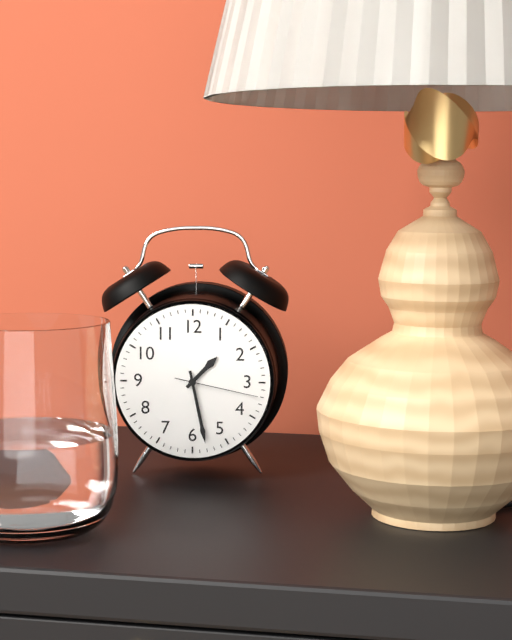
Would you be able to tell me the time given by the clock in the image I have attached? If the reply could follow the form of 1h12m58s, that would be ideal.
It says 1h28m17s
